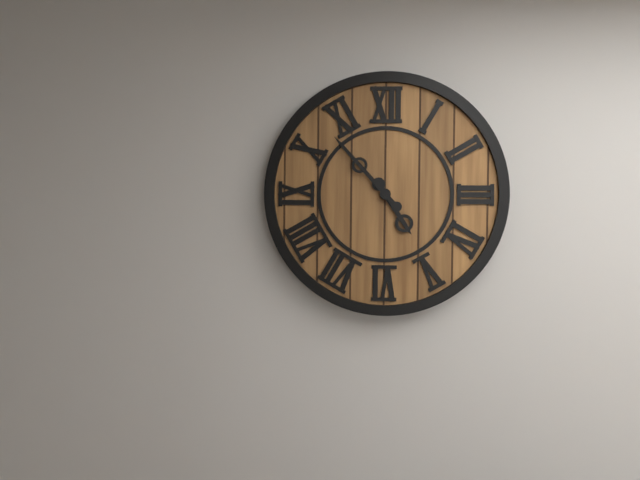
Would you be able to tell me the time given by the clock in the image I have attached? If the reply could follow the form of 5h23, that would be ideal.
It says 4h53
